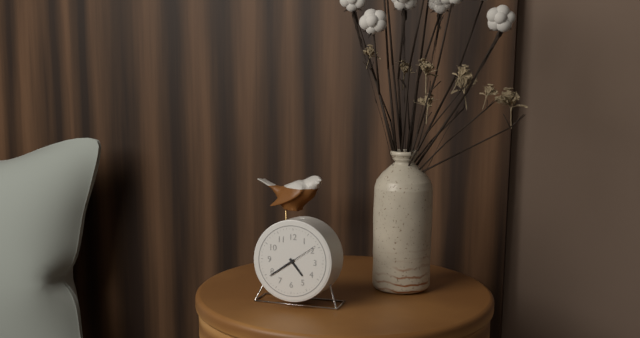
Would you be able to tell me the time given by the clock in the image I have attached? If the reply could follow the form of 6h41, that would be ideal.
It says 4h39
